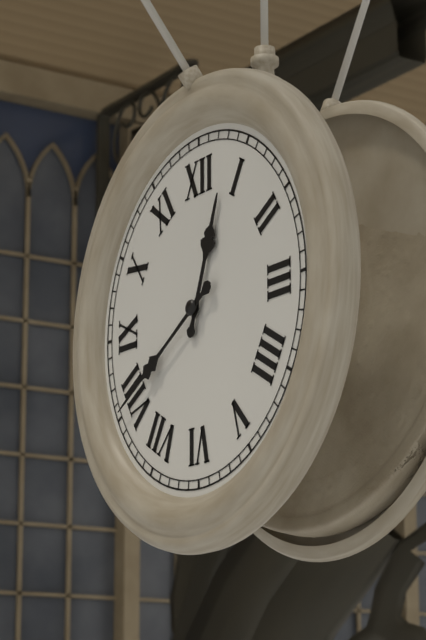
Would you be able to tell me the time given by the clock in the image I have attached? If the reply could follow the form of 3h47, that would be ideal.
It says 12h40
